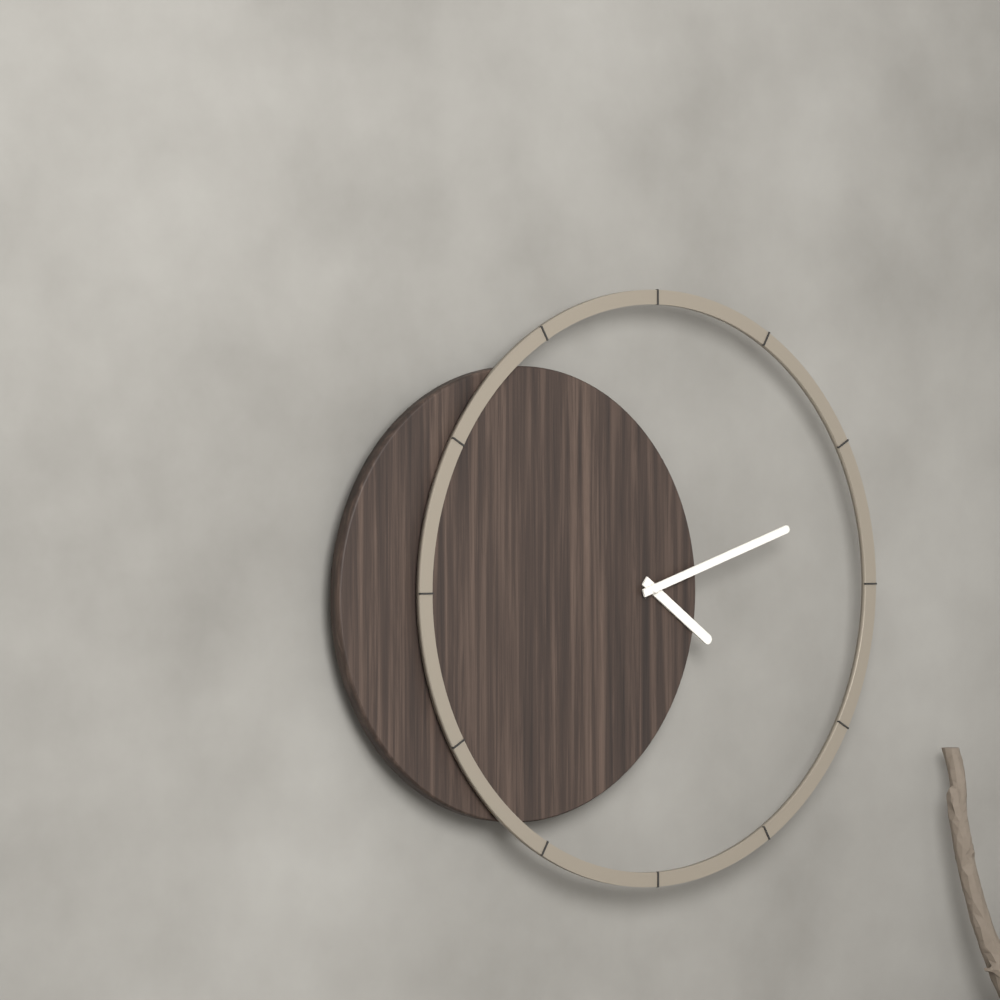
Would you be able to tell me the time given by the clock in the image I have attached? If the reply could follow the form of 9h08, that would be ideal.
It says 4h12
